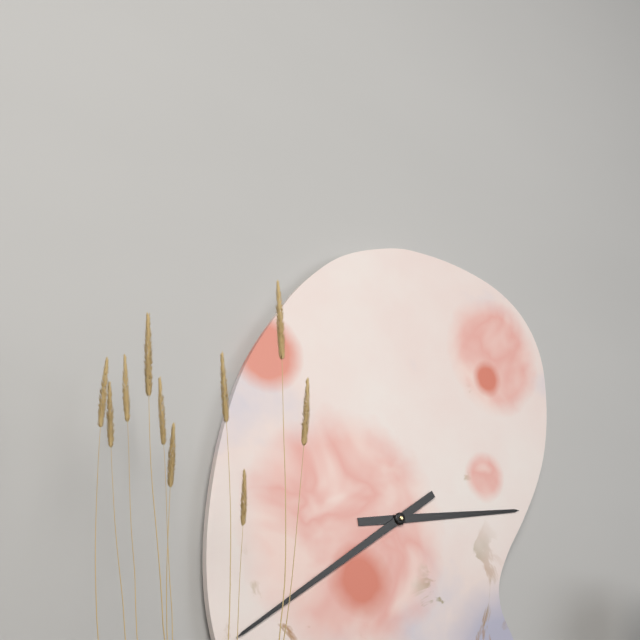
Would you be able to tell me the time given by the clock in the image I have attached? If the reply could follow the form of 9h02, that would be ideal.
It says 2h39
